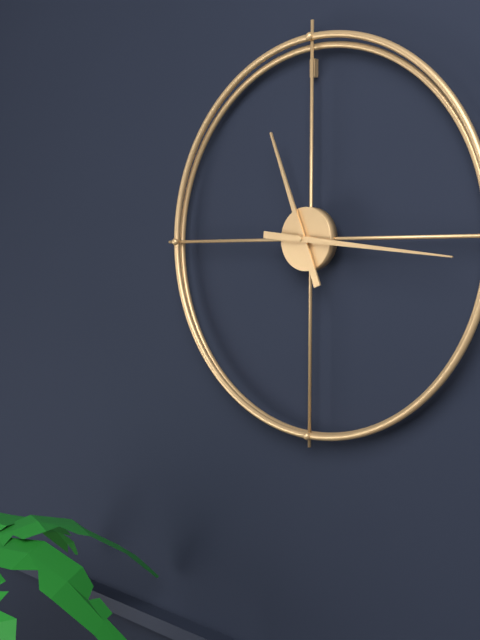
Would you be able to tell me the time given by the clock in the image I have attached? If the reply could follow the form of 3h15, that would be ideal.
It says 11h16
